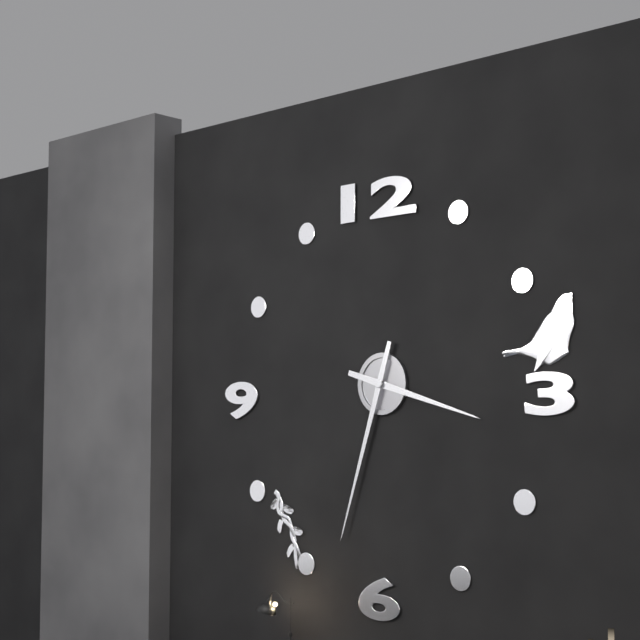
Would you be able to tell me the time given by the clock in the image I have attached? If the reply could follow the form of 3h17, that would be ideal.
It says 3h33
